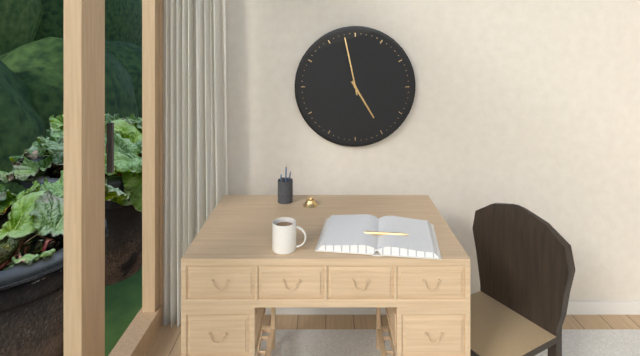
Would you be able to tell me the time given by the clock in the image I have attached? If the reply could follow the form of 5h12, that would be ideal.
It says 4h58
